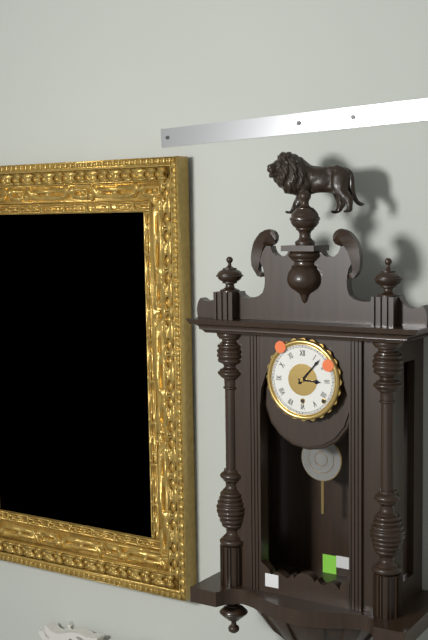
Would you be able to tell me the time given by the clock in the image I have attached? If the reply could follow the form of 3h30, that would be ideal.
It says 3h07
